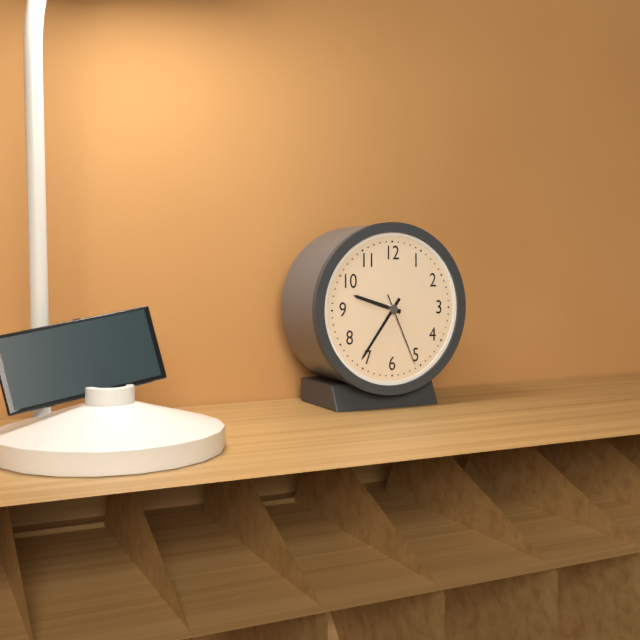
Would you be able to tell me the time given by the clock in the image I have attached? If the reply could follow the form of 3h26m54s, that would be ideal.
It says 9h36m26s
